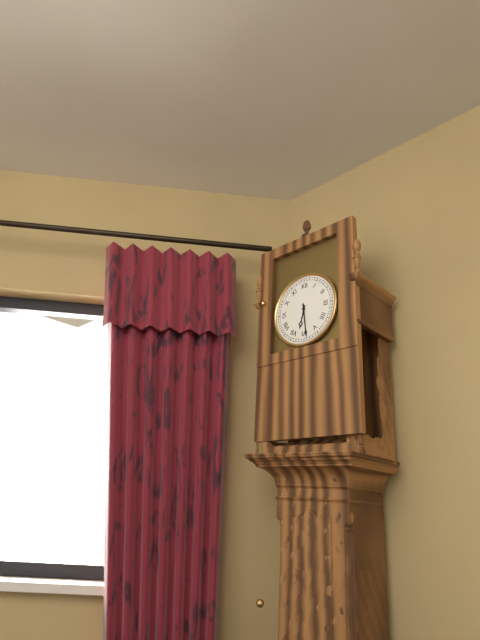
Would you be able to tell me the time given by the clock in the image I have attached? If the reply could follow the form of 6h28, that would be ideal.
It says 6h29
